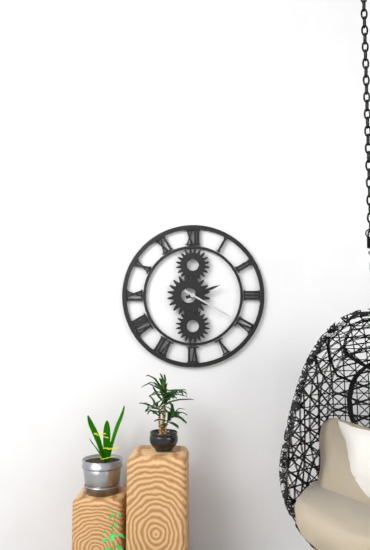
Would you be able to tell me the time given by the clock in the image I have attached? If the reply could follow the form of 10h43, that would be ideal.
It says 2h20
